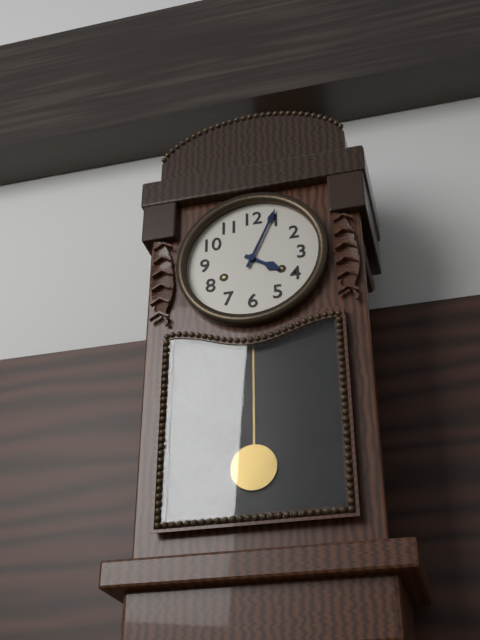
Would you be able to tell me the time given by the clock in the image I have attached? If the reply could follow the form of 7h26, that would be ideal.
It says 4h04
